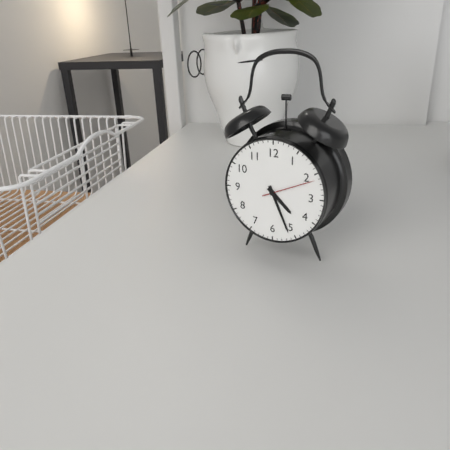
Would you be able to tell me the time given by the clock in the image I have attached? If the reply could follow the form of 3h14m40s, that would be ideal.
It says 4h26m11s
